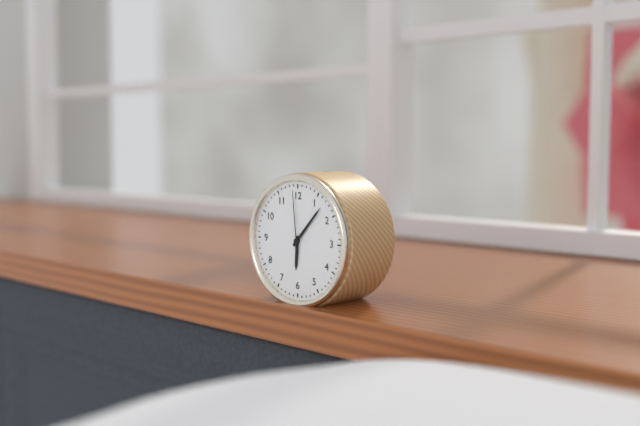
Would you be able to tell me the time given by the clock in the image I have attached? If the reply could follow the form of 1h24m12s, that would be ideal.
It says 6h07m59s
